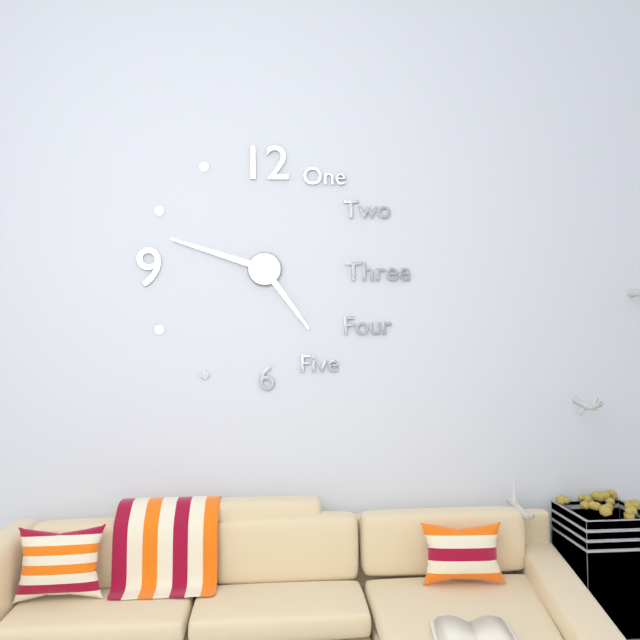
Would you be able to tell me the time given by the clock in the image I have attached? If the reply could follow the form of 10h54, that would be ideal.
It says 4h48
